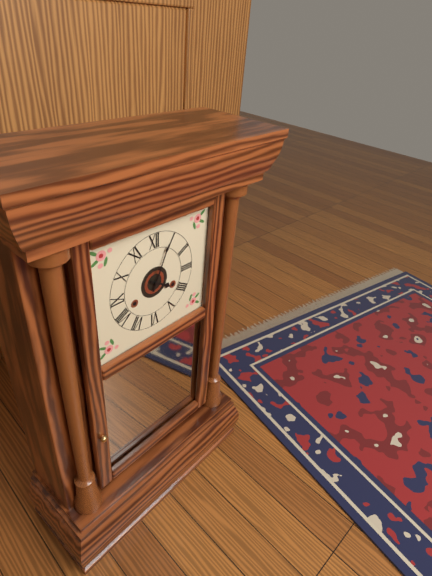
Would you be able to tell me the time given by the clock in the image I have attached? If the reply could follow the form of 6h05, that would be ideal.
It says 4h04
